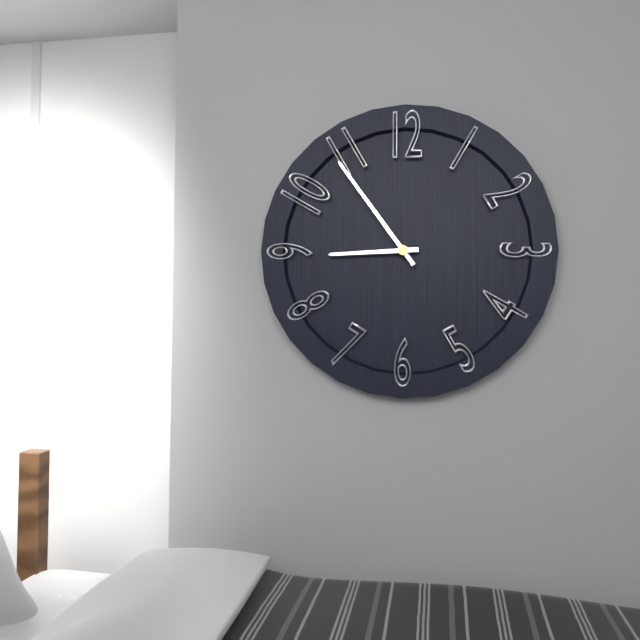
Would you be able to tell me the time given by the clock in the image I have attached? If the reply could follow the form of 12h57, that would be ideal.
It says 8h54
